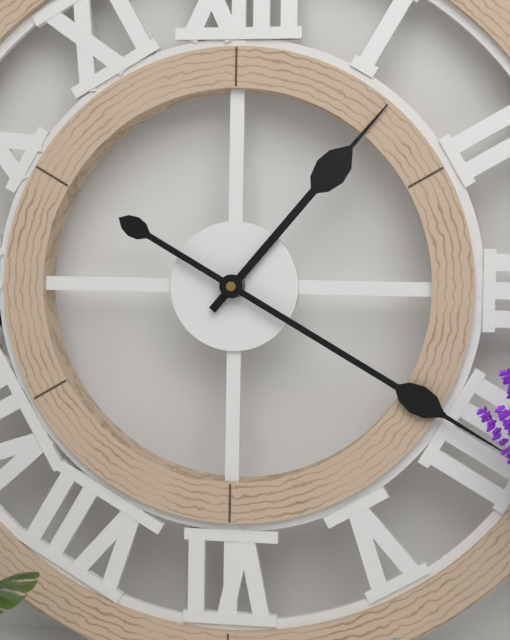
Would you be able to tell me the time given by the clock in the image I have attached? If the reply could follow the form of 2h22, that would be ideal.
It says 1h20
